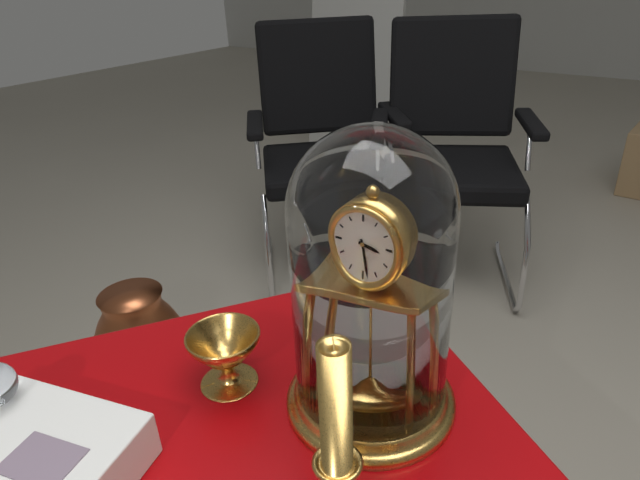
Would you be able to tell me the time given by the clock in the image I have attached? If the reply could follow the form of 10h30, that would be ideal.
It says 3h28
